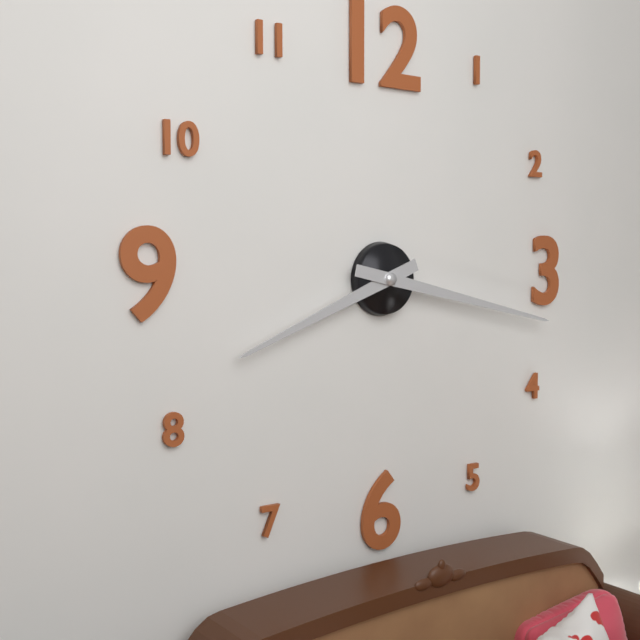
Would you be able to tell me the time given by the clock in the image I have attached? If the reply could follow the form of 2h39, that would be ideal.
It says 8h17
